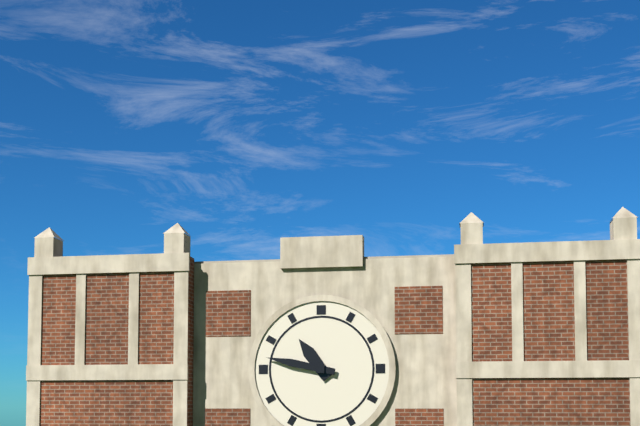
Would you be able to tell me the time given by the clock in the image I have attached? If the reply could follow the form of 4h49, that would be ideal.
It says 10h47
